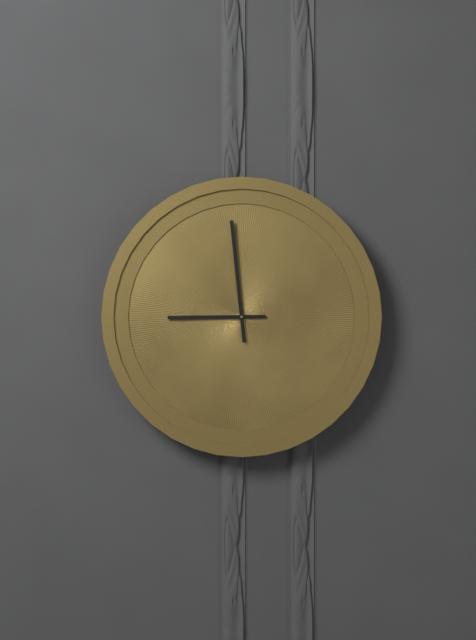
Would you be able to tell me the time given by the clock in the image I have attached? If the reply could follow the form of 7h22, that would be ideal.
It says 8h59
